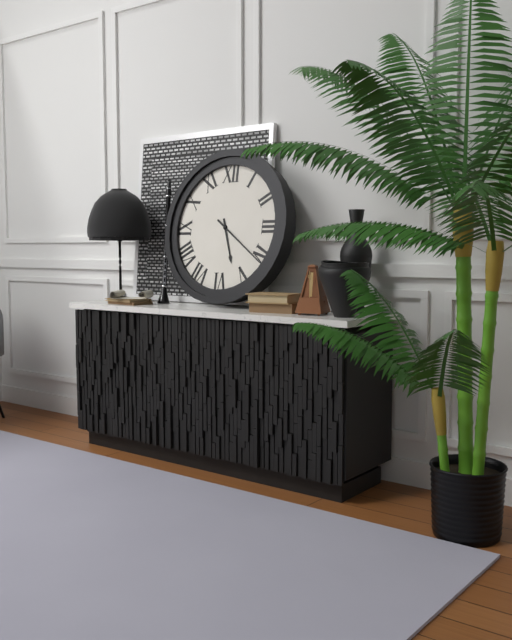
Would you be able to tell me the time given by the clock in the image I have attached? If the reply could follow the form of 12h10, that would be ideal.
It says 5h21
